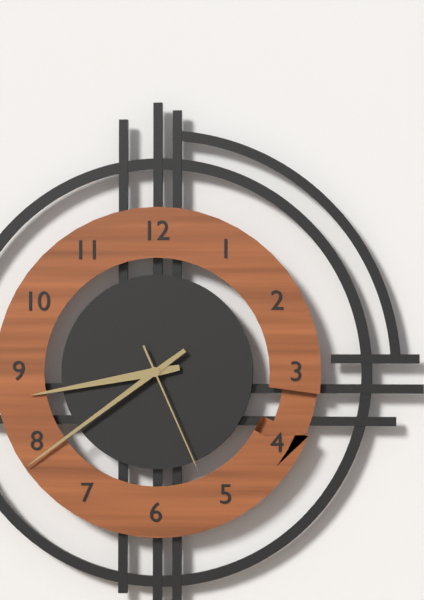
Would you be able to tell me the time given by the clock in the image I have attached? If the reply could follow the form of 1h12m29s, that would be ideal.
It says 8h39m26s
